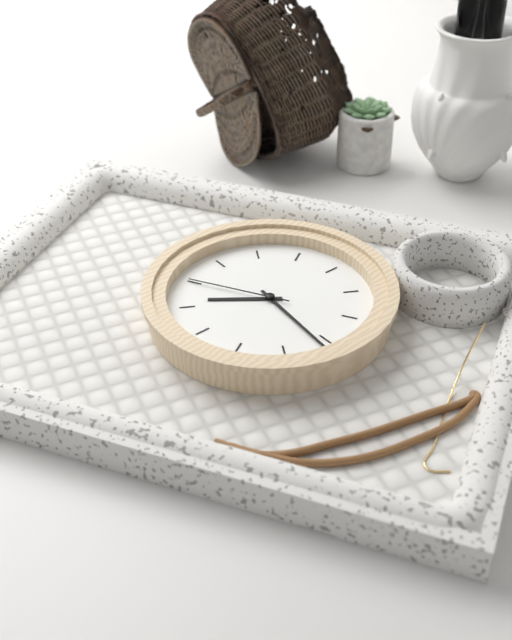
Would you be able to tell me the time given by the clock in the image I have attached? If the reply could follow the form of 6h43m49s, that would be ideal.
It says 7h16m40s
